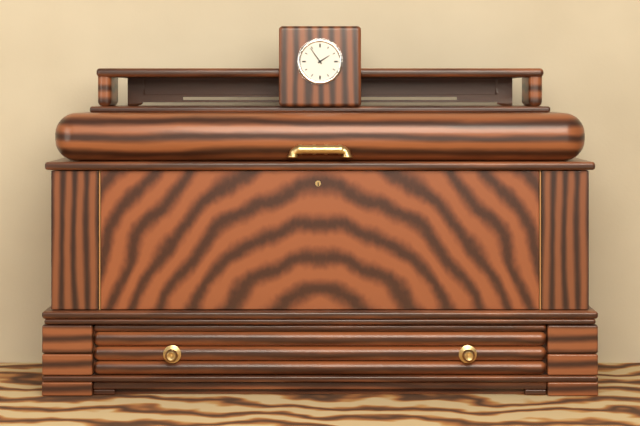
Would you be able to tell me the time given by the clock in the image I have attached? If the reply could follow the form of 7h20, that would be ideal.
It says 1h54
